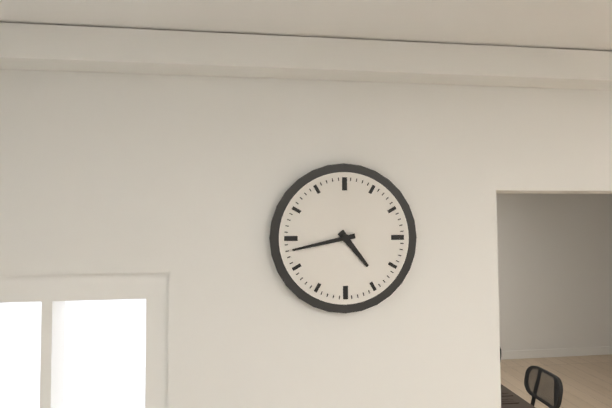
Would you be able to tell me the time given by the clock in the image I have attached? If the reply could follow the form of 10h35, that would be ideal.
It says 4h43
